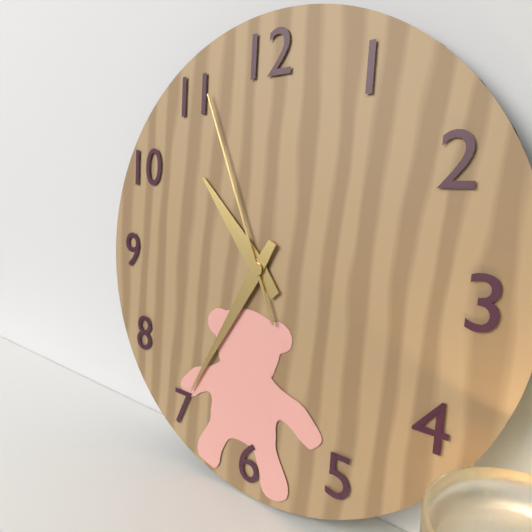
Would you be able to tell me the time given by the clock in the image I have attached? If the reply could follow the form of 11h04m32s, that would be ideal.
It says 10h35m56s
